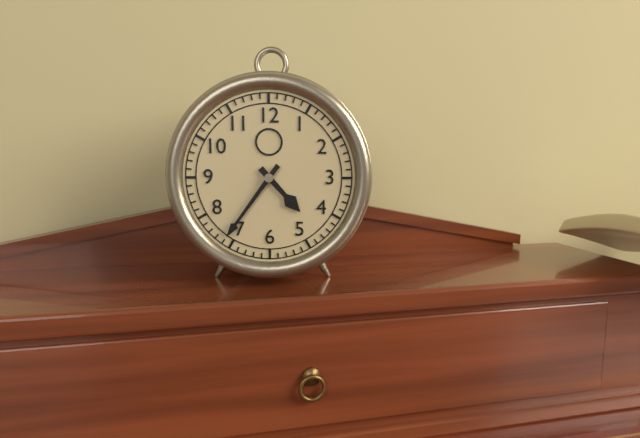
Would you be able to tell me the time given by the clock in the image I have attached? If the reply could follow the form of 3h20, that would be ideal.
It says 4h36
